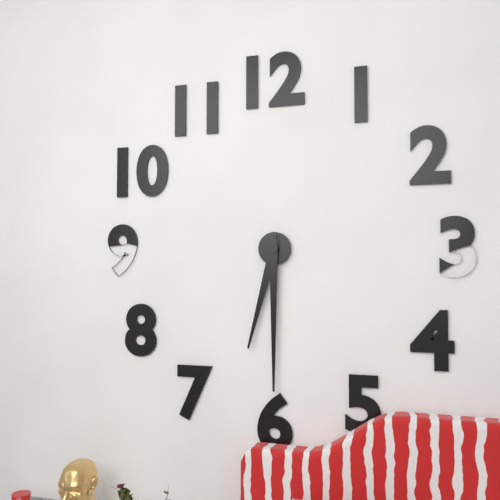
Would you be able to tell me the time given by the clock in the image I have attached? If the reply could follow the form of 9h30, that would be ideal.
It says 6h30
